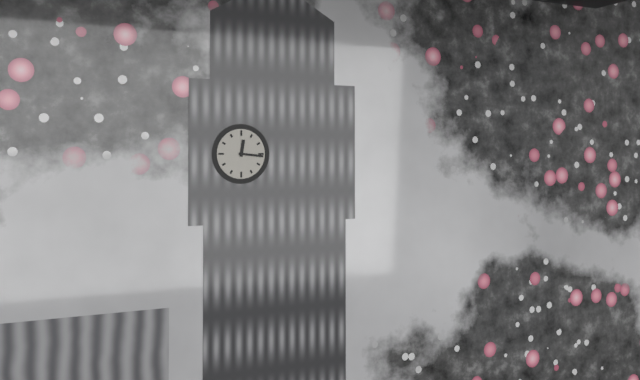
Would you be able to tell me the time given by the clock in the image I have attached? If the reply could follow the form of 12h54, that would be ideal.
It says 12h16
